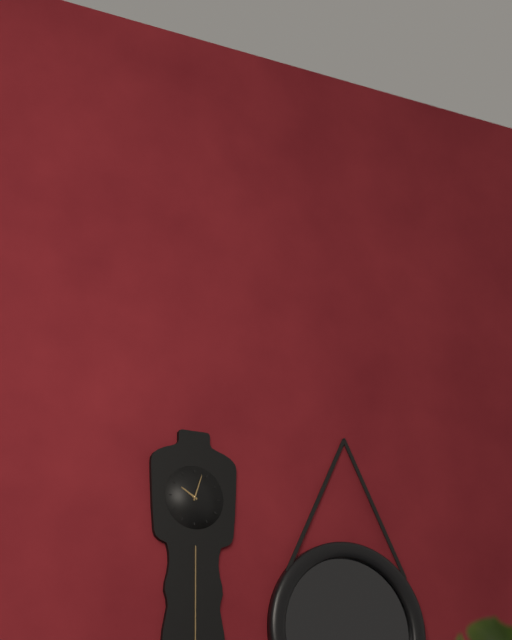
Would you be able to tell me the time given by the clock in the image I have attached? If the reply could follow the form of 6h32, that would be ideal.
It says 10h03
